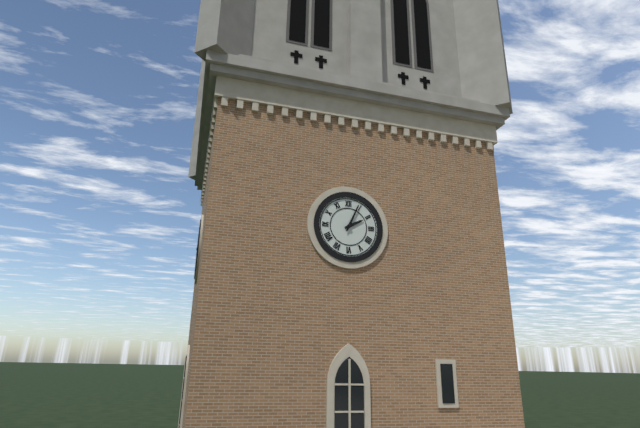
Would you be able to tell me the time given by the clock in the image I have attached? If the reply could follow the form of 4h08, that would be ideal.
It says 2h04
